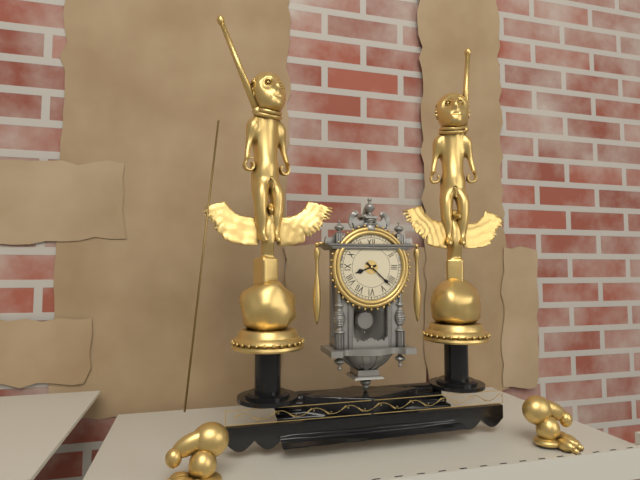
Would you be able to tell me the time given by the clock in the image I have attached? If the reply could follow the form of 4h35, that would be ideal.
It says 8h22
